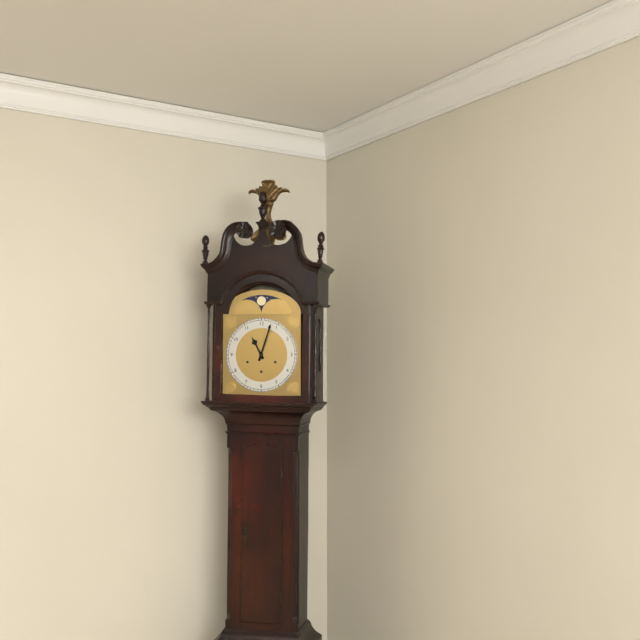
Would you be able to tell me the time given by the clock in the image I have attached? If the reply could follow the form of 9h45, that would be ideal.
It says 11h03
